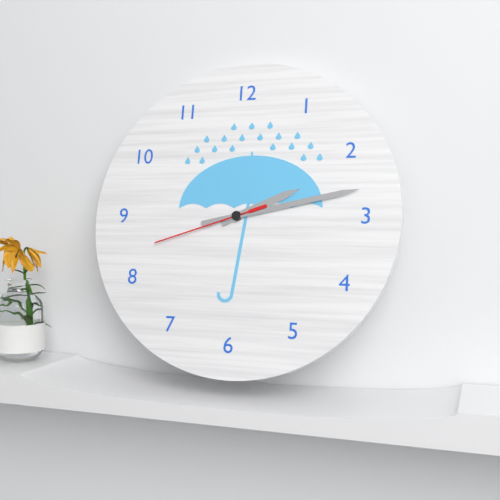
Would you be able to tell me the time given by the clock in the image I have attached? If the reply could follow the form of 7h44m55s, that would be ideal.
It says 2h13m42s
